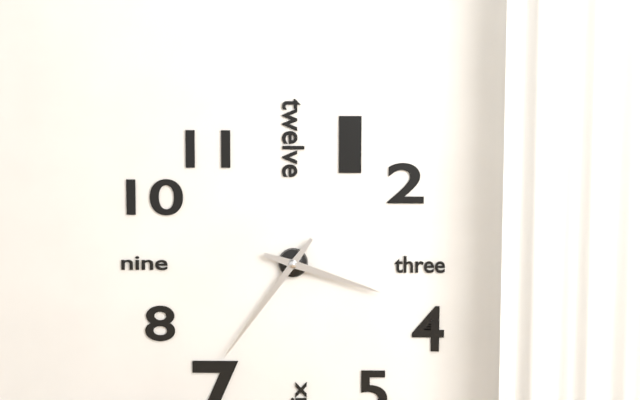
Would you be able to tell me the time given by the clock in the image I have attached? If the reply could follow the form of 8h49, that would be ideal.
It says 3h36
